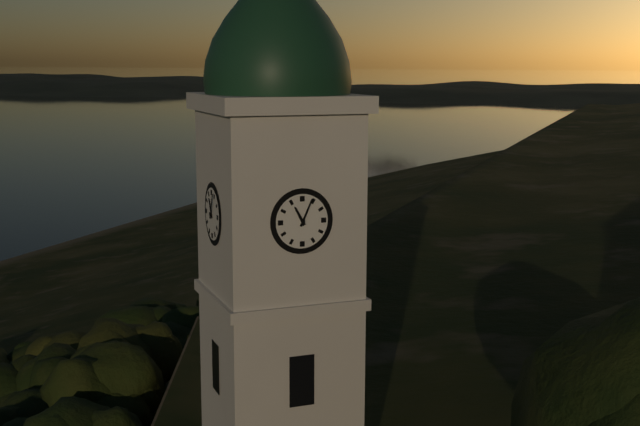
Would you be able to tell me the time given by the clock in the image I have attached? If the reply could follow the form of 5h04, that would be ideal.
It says 11h04
